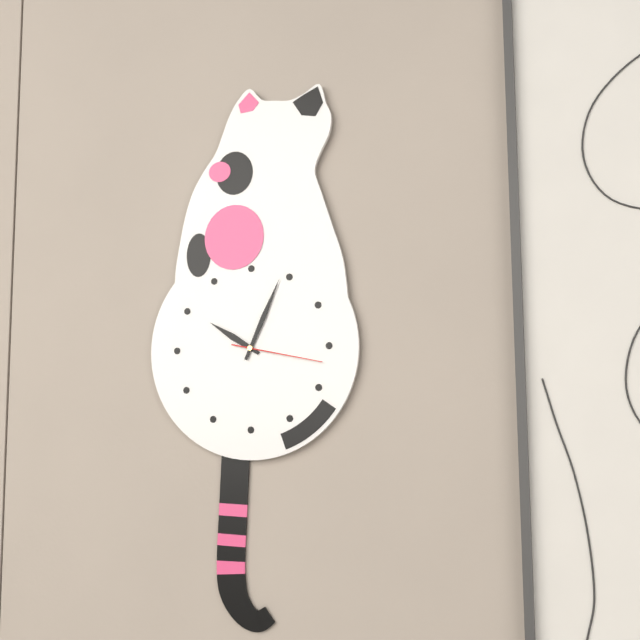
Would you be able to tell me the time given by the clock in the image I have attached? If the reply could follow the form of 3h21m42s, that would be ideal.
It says 10h04m17s
